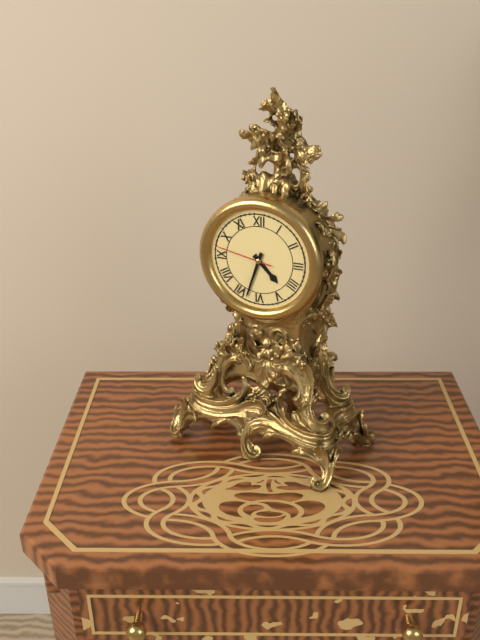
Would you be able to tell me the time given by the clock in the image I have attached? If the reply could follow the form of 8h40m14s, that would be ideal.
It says 4h33m47s
